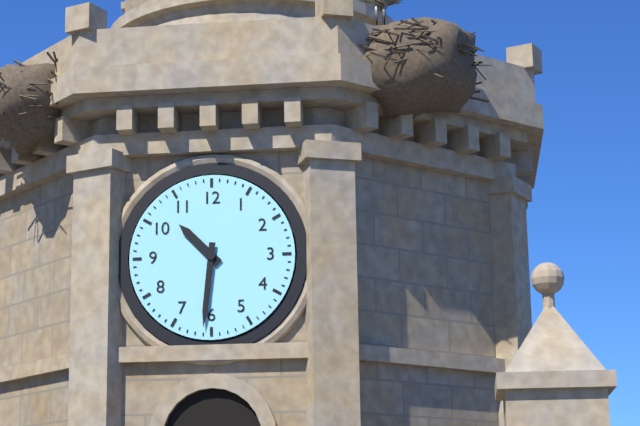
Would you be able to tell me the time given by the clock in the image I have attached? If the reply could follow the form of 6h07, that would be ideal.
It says 10h31
